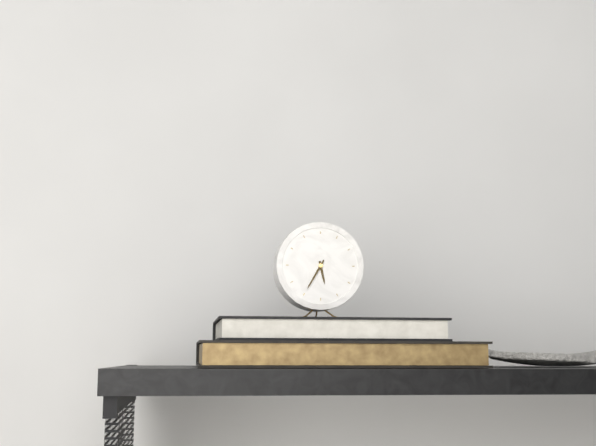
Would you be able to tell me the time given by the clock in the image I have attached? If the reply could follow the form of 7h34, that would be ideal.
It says 5h35
